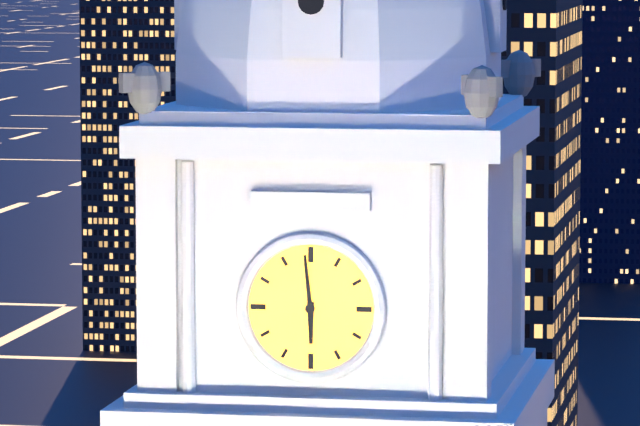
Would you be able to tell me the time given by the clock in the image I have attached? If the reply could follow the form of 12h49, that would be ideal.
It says 5h59
